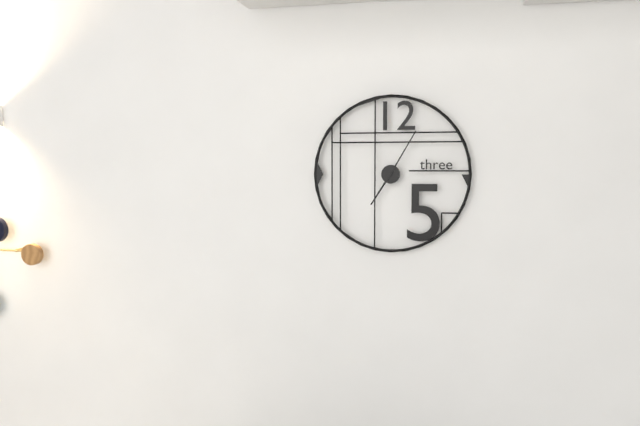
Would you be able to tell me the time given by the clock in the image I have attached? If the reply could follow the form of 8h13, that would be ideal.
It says 7h05
